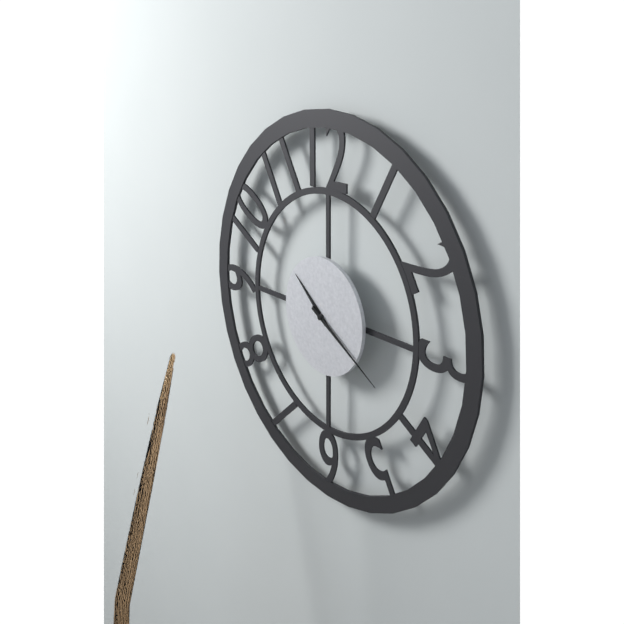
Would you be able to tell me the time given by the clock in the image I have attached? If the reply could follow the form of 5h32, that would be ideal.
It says 10h20
